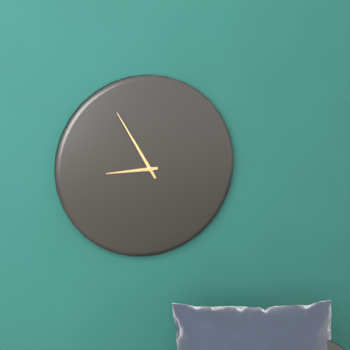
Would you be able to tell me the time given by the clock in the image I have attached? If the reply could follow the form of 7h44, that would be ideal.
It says 8h55
